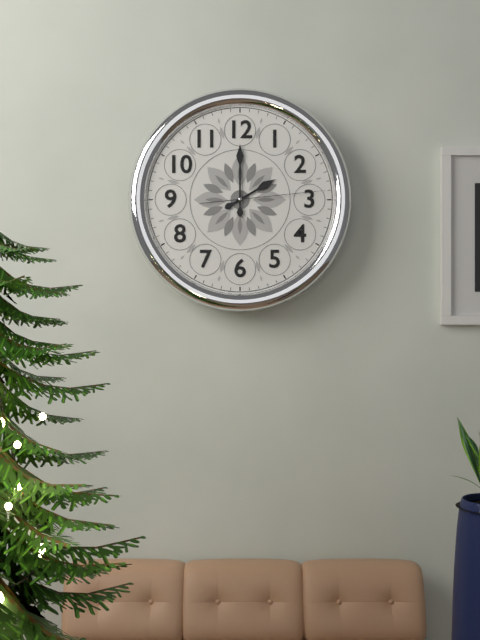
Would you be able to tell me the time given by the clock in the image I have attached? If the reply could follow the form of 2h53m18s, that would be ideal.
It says 2h00m14s
